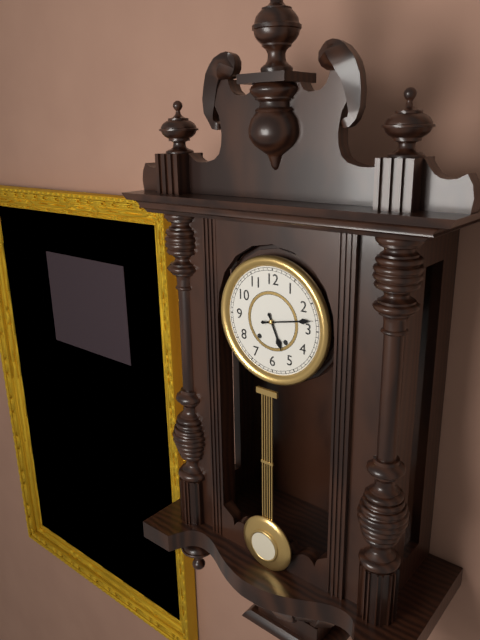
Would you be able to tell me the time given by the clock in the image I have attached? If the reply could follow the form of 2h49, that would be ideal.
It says 5h13
